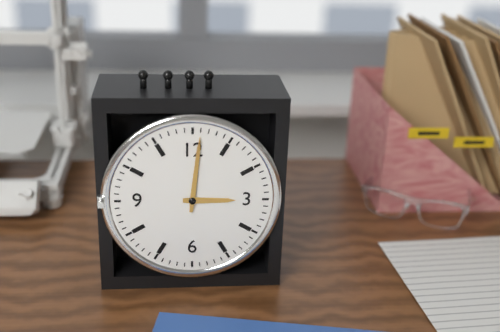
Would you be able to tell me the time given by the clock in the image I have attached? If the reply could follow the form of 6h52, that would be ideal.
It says 3h01
